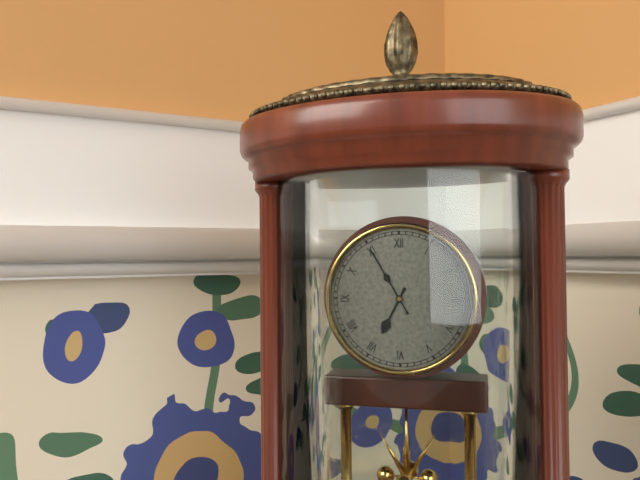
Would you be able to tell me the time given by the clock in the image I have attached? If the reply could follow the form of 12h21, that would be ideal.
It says 6h55
